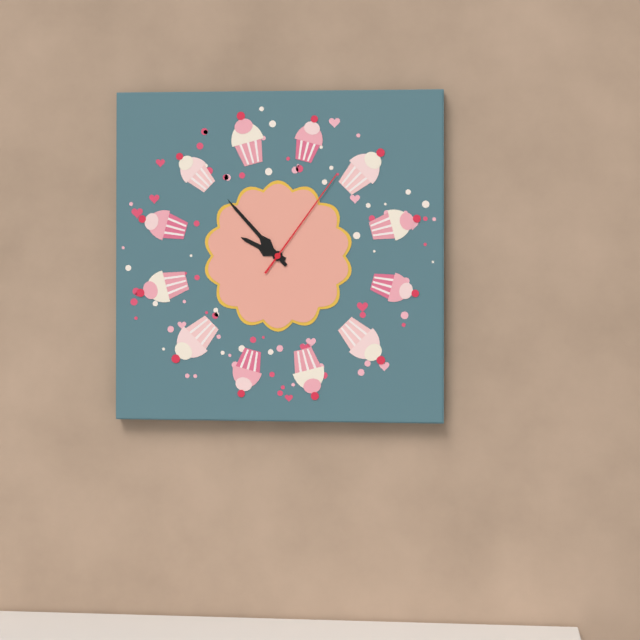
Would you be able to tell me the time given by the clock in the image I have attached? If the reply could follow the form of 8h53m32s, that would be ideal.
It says 9h53m06s
